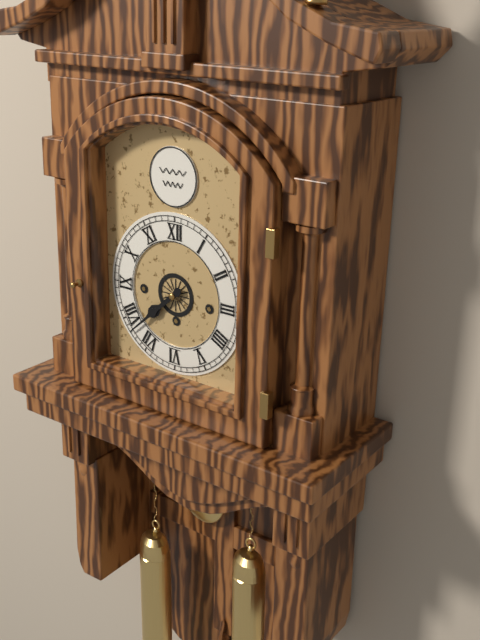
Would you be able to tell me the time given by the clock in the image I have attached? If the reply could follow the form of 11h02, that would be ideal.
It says 7h38
